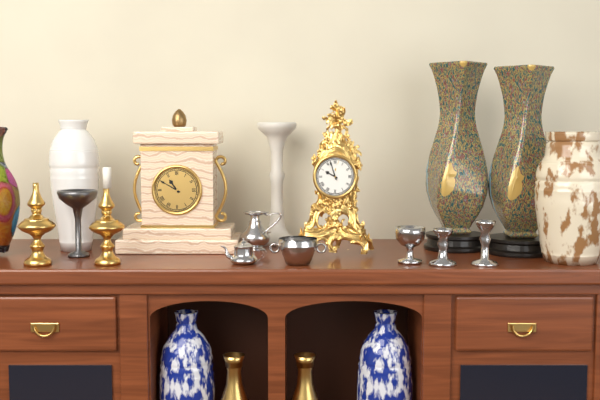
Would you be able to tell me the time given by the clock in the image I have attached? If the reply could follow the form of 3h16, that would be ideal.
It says 9h57
